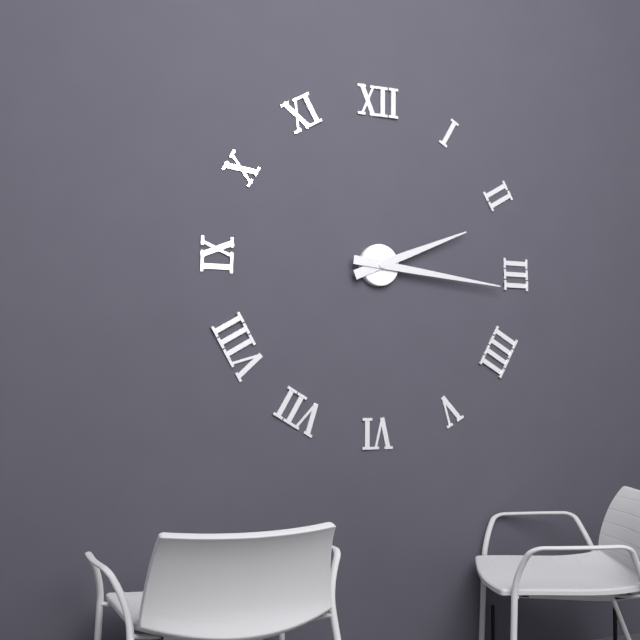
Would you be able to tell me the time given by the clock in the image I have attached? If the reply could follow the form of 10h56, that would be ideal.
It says 2h16
